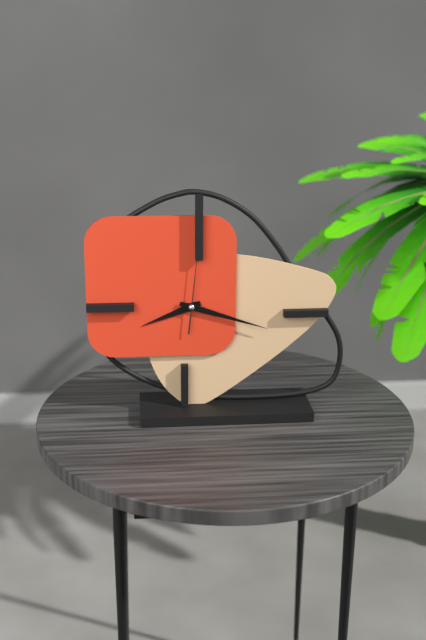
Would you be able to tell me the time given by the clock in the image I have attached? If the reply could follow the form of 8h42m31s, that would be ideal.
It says 8h18m01s
